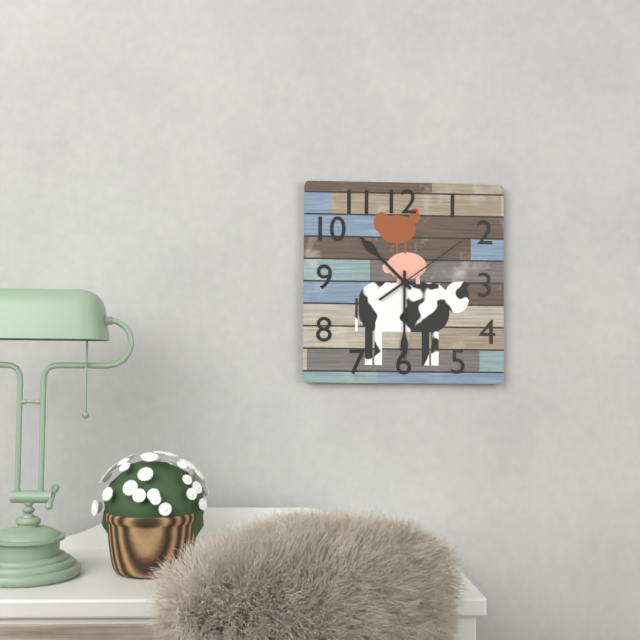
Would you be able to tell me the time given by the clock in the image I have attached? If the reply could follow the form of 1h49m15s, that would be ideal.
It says 10h30m09s
